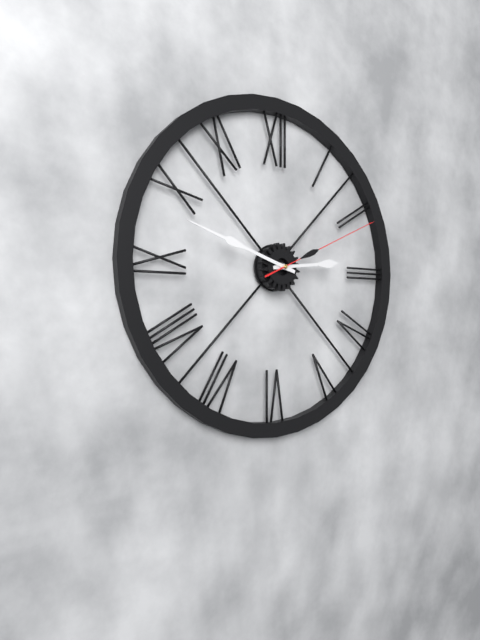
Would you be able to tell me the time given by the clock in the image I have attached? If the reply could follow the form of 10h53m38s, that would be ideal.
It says 2h48m11s
